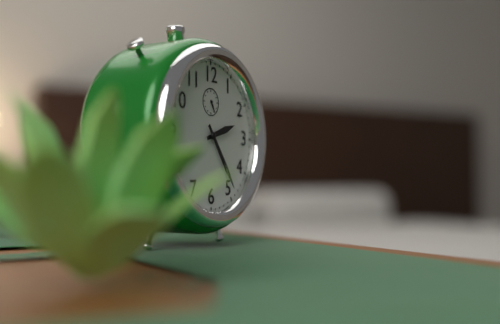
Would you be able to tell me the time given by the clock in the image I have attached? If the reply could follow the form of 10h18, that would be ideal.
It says 2h24
